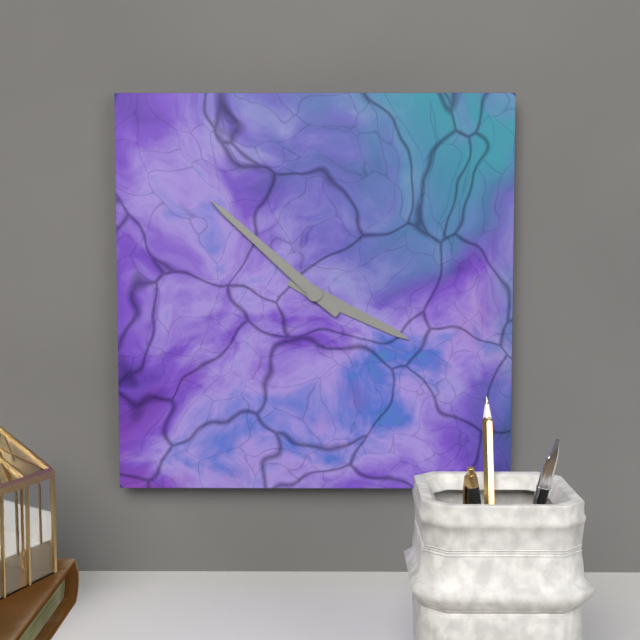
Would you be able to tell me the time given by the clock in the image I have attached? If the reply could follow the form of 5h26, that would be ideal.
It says 3h52
